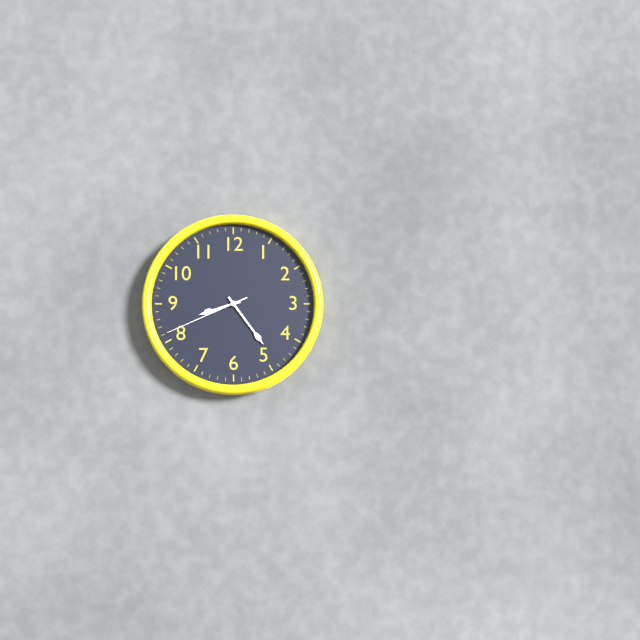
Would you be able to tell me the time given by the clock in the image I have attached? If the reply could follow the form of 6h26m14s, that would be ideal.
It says 8h24m41s
